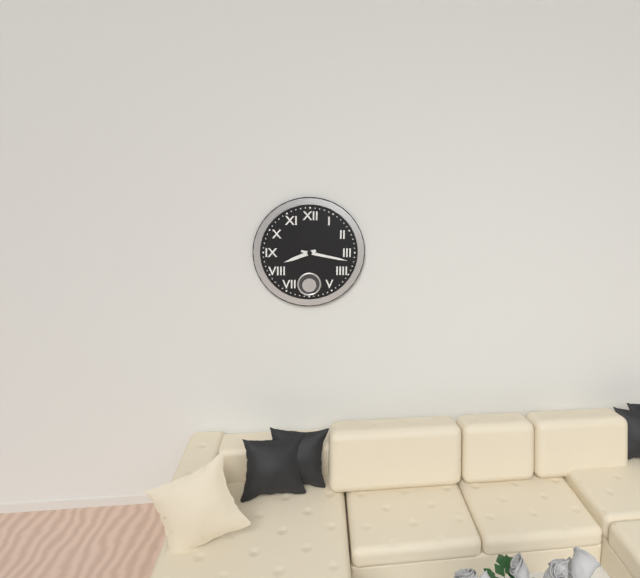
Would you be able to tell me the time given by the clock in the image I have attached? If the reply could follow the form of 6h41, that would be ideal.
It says 8h17
